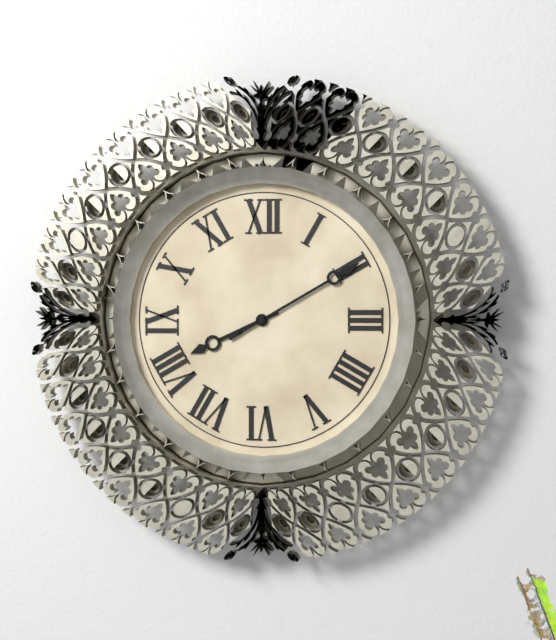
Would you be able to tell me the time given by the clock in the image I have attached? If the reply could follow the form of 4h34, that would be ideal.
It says 8h10
